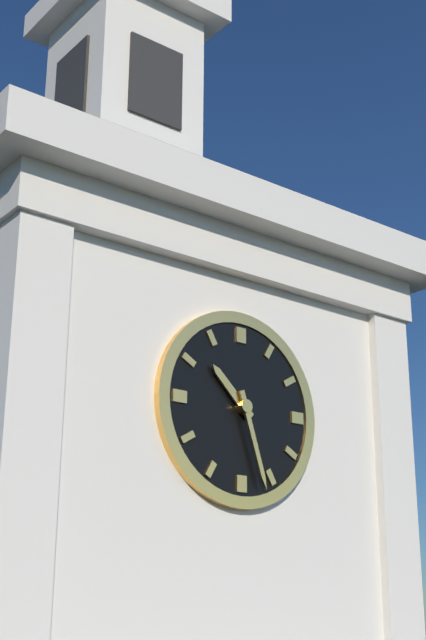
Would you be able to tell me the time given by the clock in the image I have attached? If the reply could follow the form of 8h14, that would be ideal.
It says 10h27
